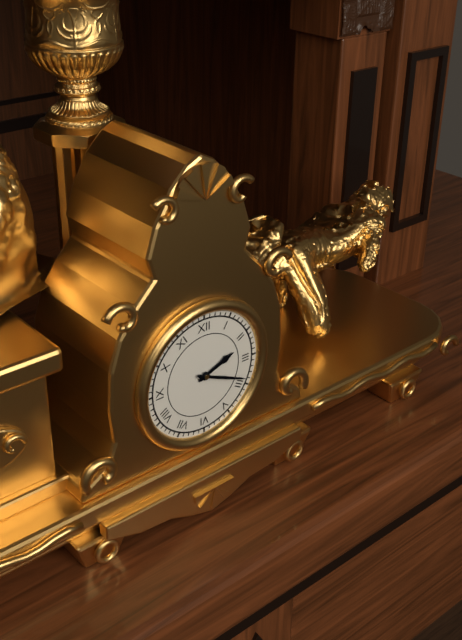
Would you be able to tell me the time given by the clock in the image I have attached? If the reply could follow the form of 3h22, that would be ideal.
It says 2h19
